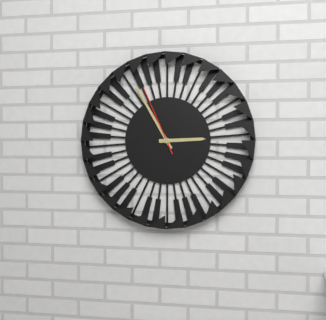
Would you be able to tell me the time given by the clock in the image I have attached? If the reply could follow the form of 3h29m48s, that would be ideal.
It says 2h55m56s
